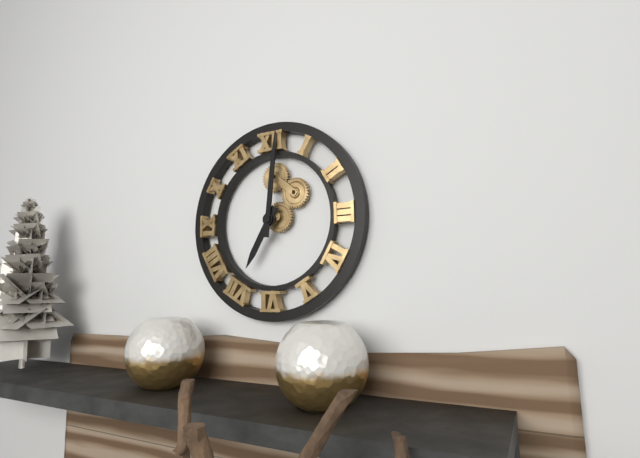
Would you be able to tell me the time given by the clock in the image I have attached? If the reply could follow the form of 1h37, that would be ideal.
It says 7h01
